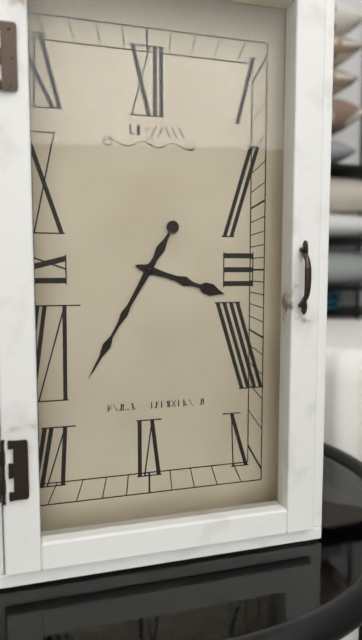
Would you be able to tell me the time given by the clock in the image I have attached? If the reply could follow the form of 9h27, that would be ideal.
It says 3h35
